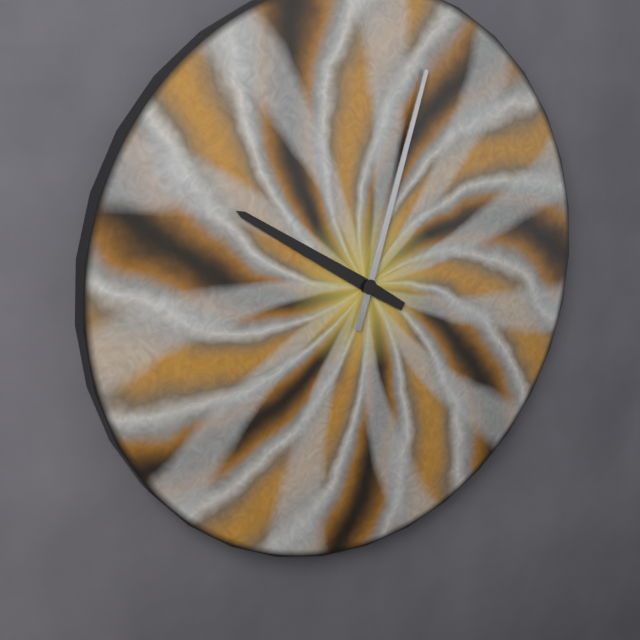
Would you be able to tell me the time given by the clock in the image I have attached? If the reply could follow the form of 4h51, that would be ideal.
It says 10h03
